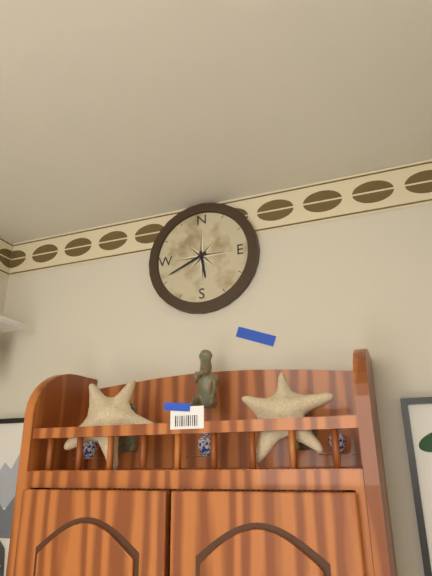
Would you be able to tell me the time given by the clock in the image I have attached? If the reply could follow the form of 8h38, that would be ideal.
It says 5h41
